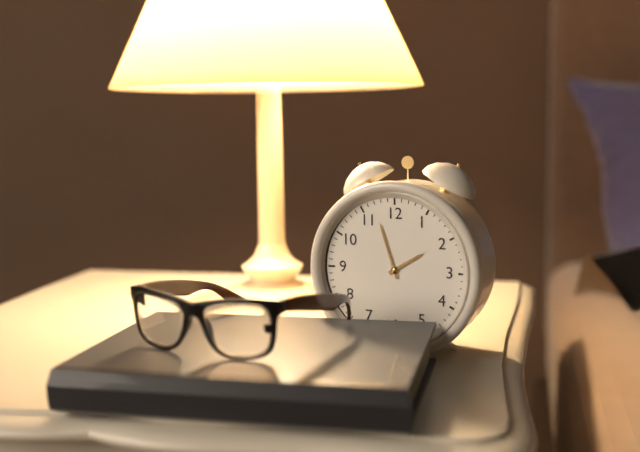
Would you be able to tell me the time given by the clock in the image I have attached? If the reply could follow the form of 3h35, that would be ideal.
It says 1h57
